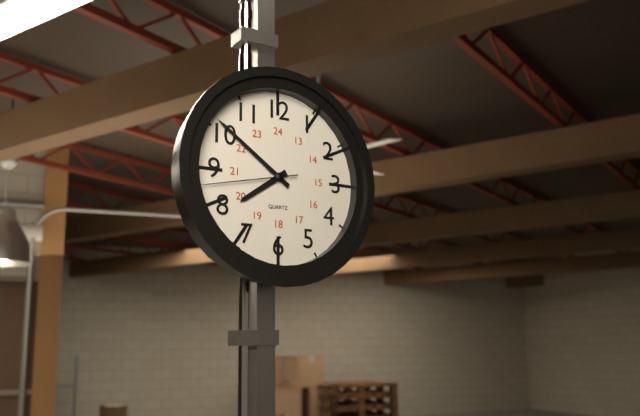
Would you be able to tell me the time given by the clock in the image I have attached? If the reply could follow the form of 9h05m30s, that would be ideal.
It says 7h51m43s
